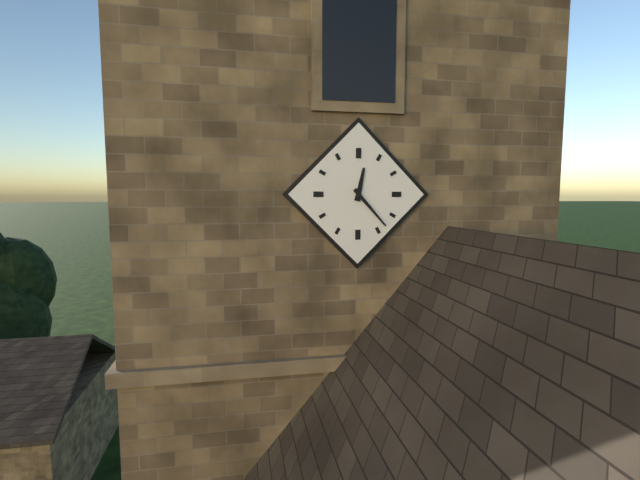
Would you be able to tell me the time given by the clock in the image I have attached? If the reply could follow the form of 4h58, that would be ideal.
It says 12h23
